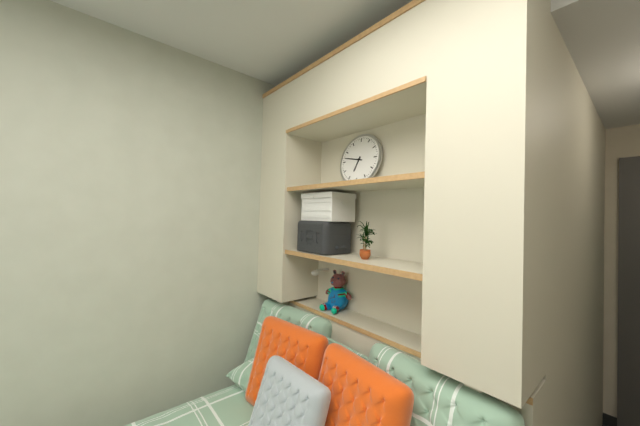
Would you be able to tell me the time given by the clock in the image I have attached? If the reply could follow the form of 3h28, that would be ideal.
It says 6h47
